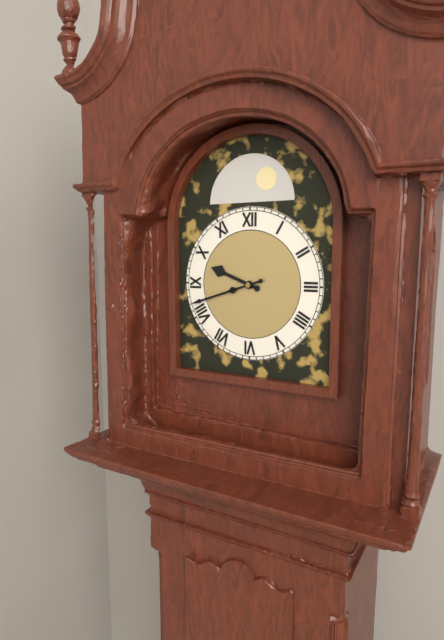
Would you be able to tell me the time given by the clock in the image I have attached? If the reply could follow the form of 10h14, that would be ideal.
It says 9h42
